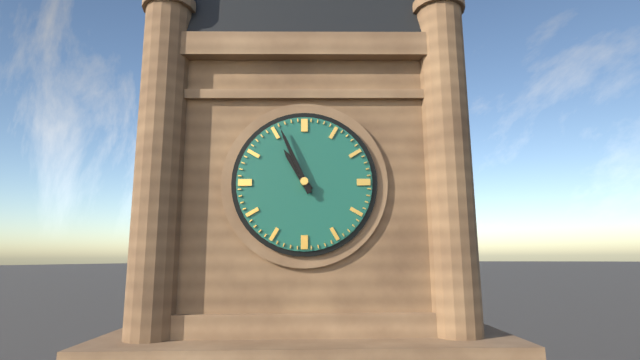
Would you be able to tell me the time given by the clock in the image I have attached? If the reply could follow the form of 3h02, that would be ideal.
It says 10h56
